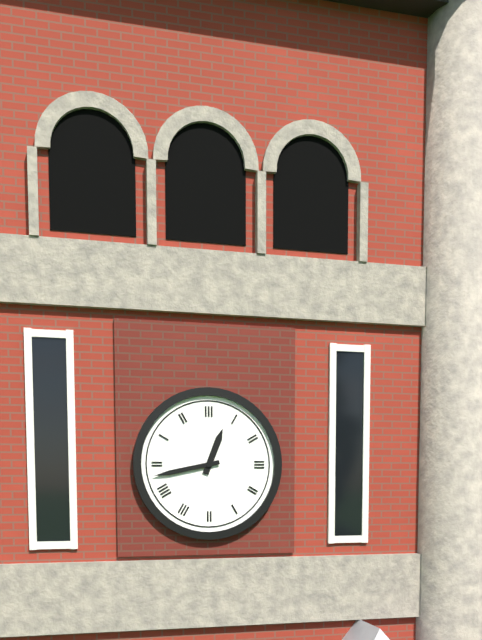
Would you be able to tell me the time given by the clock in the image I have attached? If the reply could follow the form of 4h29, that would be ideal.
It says 12h43
